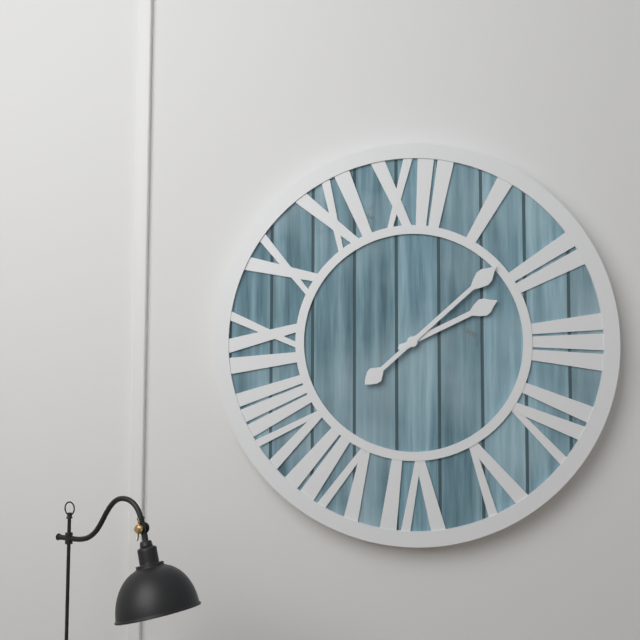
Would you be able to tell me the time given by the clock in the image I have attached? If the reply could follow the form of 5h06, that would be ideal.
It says 2h08
